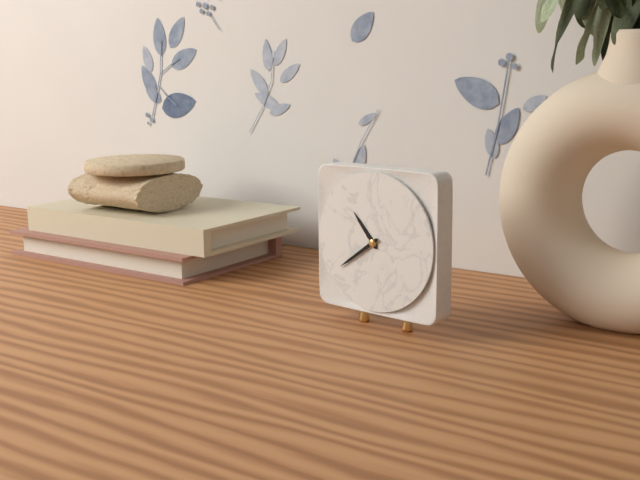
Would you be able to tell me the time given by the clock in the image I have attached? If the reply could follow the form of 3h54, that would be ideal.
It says 10h39
